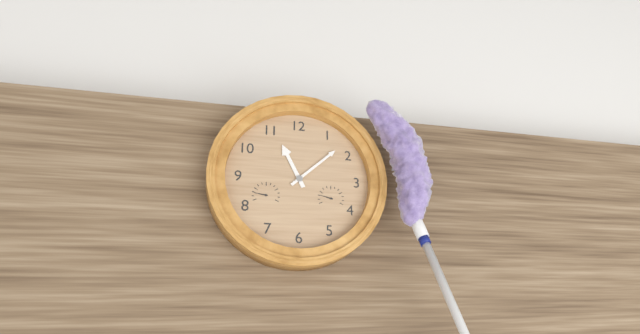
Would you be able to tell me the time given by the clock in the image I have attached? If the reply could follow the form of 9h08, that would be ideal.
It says 11h08
